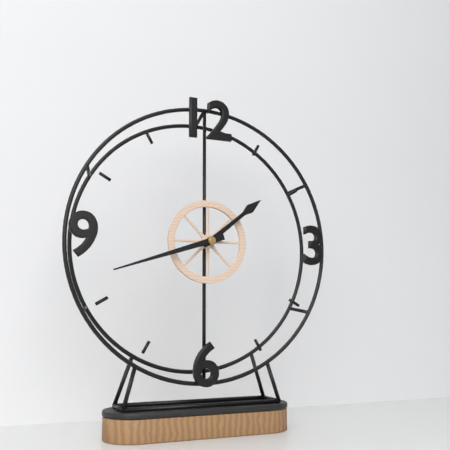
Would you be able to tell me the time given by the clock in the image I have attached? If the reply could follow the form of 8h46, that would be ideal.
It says 1h42
